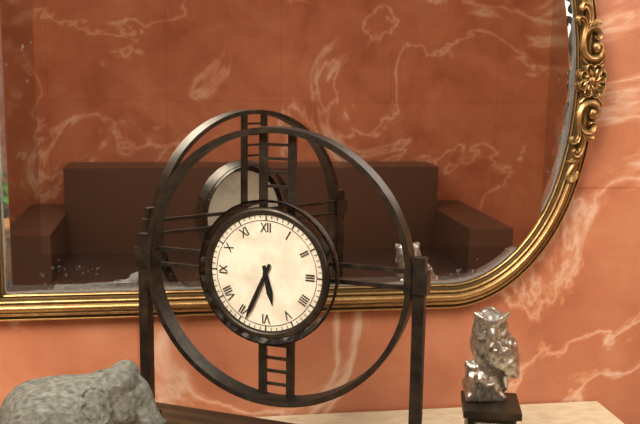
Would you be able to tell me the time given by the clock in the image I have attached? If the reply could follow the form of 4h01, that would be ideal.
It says 5h34
